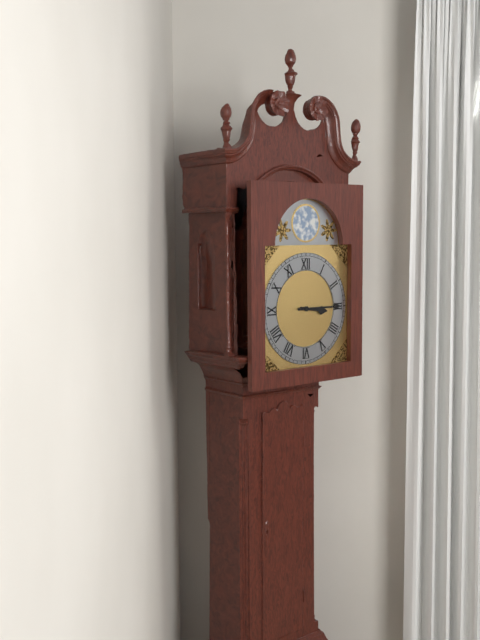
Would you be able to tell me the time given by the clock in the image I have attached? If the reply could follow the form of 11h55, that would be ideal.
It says 3h15
